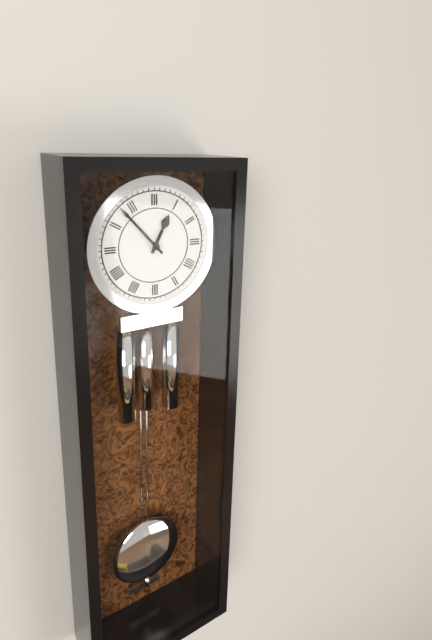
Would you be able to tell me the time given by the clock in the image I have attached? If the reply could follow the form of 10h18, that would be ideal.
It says 12h53
